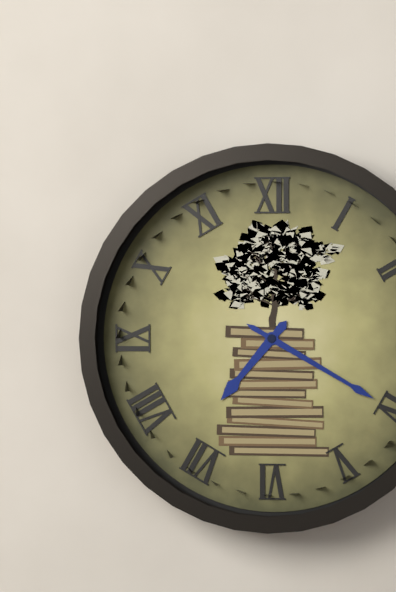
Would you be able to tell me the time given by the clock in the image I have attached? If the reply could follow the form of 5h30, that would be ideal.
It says 7h20
